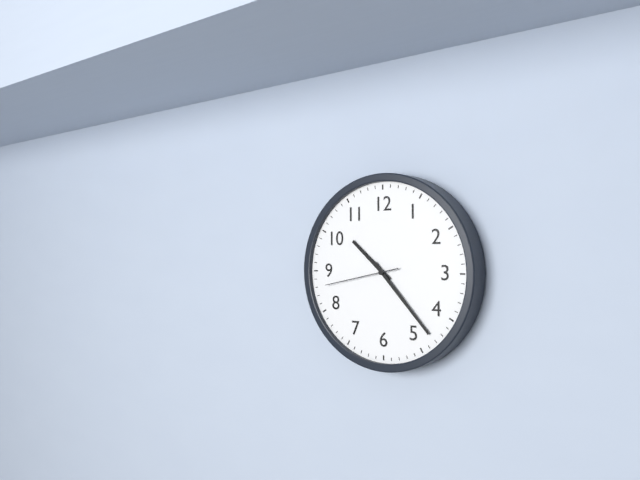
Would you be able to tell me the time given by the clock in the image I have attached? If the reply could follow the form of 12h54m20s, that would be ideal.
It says 10h23m43s
